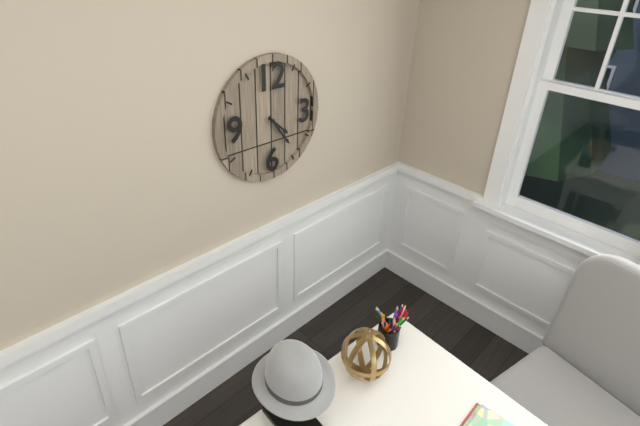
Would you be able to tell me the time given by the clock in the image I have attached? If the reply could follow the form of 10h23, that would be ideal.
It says 4h24
